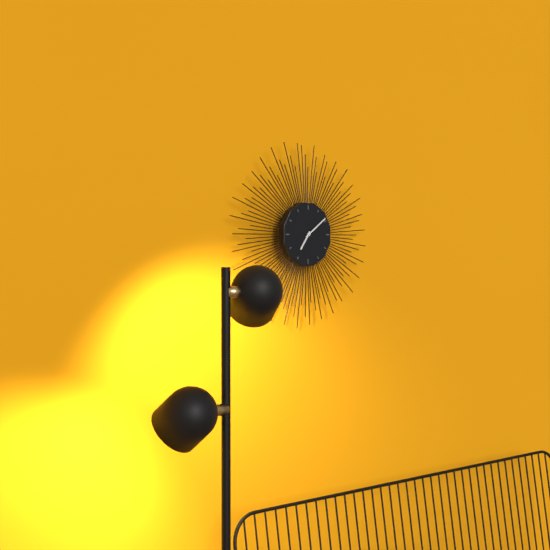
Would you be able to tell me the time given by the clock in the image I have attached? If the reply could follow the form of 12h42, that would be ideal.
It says 7h09
